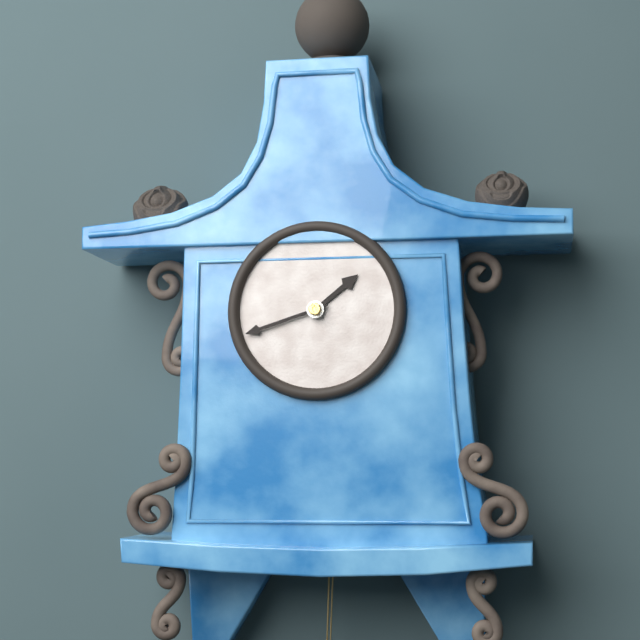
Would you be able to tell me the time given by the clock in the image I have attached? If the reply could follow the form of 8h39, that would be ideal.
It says 1h42
